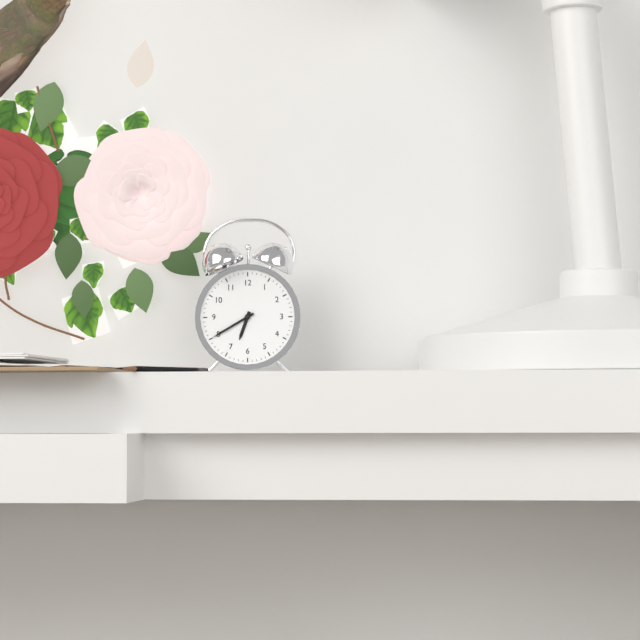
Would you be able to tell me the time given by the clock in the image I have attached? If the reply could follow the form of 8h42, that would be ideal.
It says 6h40
